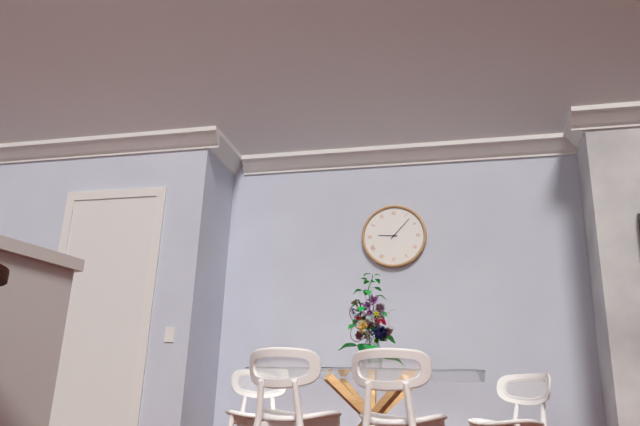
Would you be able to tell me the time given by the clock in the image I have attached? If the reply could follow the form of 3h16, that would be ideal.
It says 9h07
